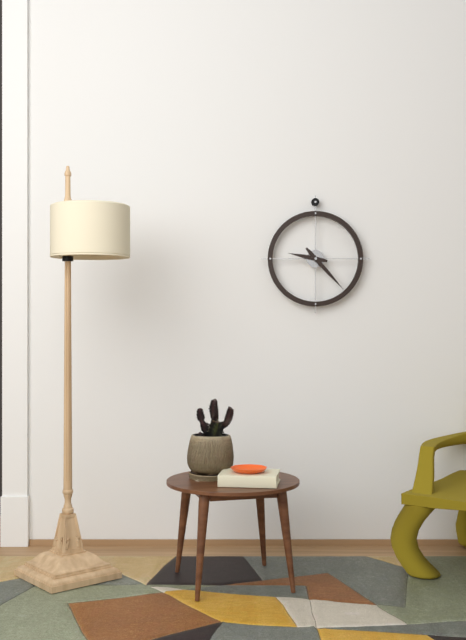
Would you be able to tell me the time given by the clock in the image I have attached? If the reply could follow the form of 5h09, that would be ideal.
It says 9h23
